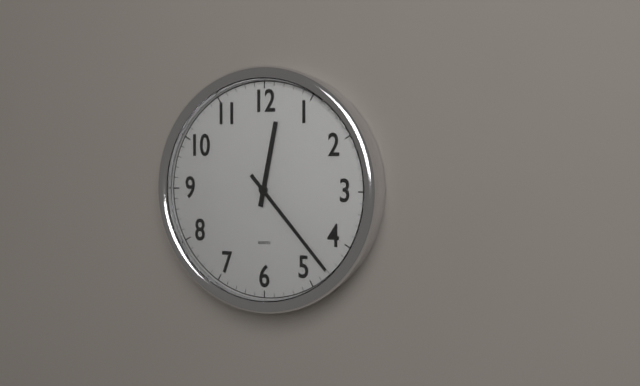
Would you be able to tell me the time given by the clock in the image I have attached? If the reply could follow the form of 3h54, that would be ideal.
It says 12h23
